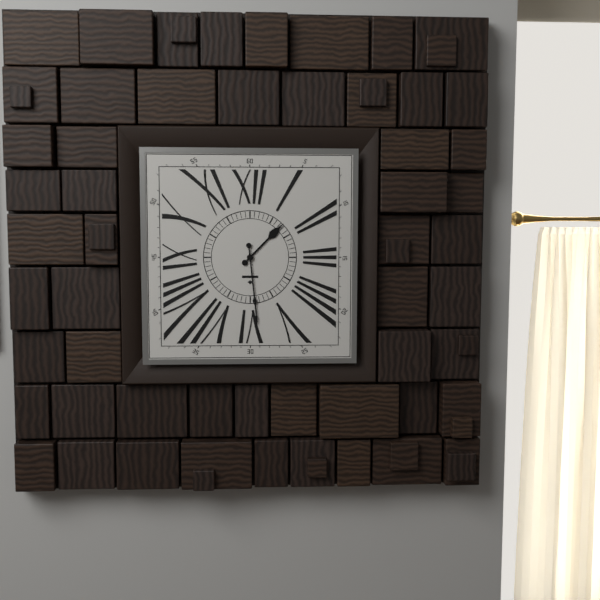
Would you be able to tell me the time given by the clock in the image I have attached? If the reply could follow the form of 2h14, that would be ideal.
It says 1h29
